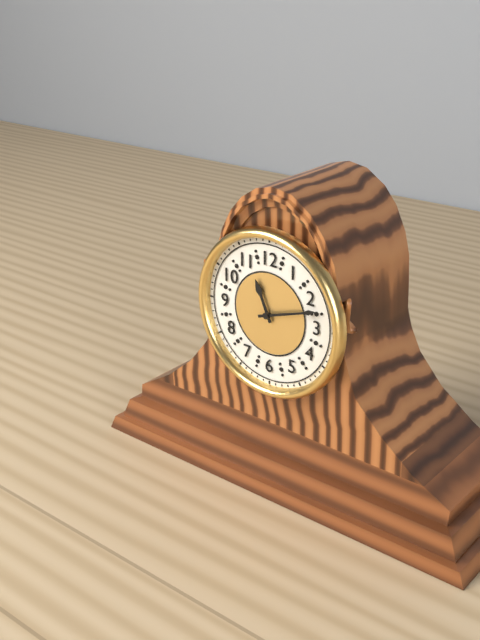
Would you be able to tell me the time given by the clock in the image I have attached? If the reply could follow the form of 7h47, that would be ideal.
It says 11h12
